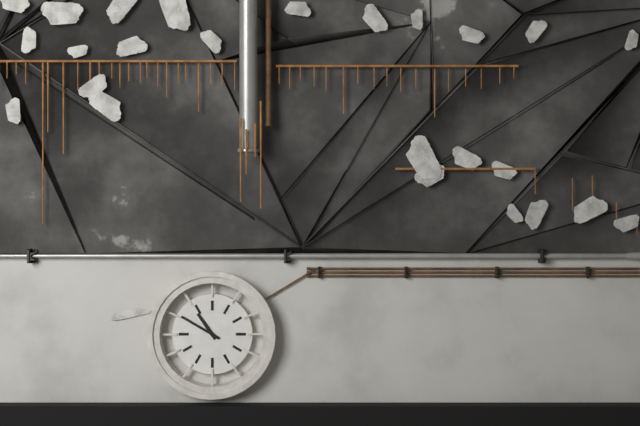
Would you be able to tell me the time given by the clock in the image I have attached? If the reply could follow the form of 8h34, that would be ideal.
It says 10h50
